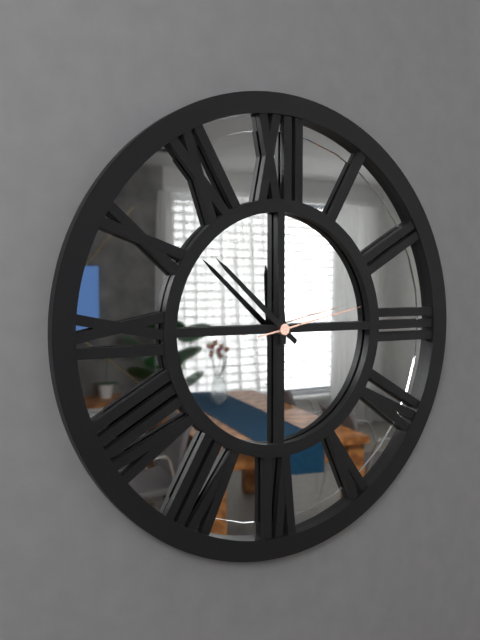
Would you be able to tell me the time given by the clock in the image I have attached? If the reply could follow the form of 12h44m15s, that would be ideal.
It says 11h52m13s
